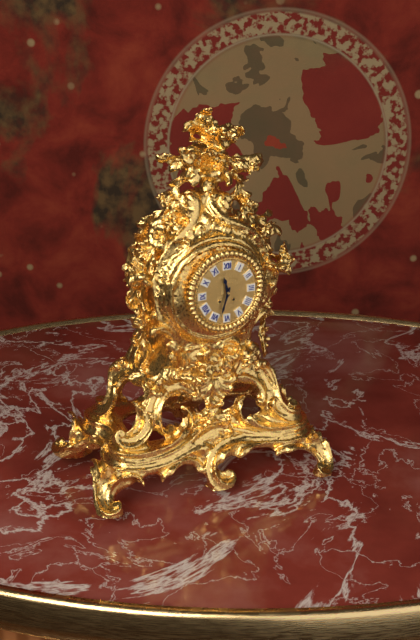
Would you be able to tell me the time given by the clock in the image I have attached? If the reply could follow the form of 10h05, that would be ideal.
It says 11h33
